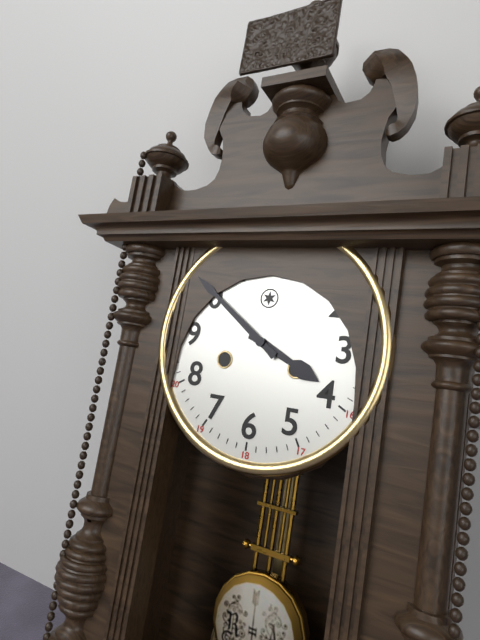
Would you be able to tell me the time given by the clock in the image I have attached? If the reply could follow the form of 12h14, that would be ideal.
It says 3h51
